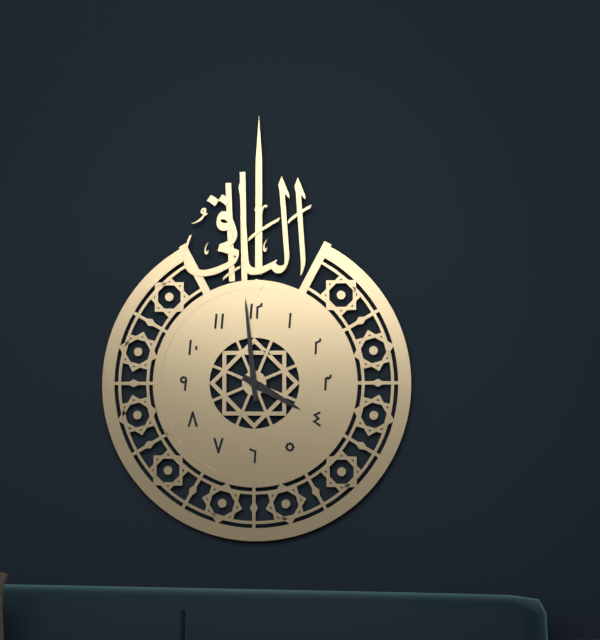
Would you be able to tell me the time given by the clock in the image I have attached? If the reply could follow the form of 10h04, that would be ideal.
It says 3h59
